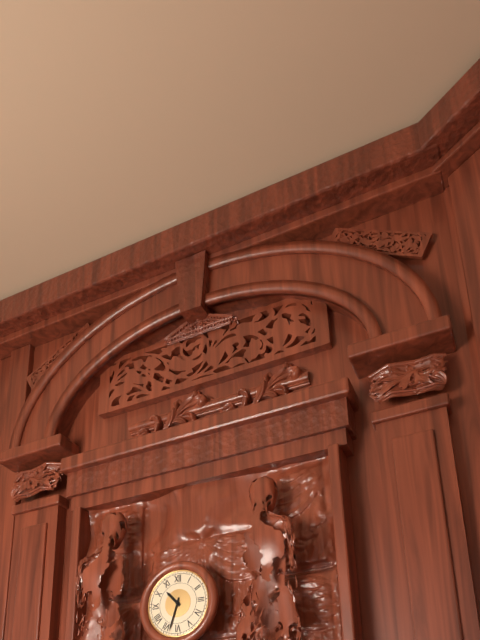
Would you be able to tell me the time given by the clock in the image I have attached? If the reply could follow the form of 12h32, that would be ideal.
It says 10h33
